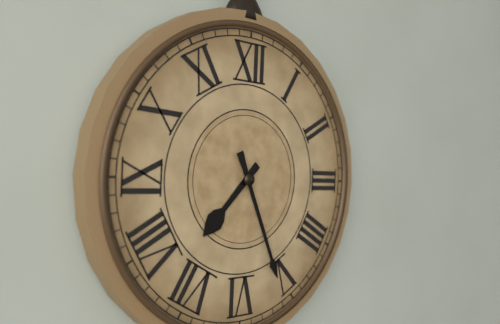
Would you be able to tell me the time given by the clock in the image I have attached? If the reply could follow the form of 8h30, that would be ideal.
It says 7h26
